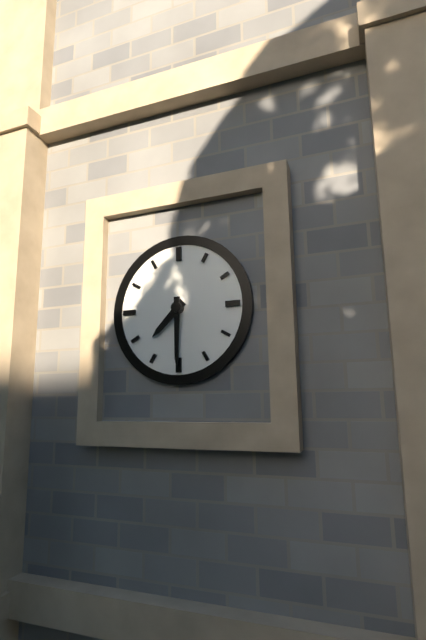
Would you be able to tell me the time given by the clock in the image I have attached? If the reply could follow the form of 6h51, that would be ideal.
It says 7h30
